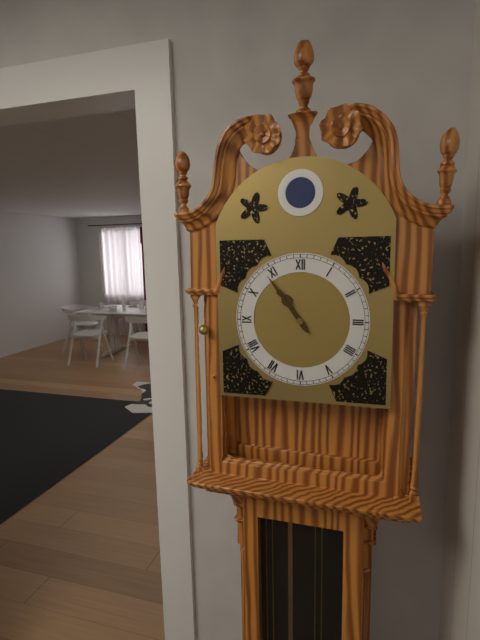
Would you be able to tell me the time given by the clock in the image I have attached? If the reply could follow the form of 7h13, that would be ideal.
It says 10h54
